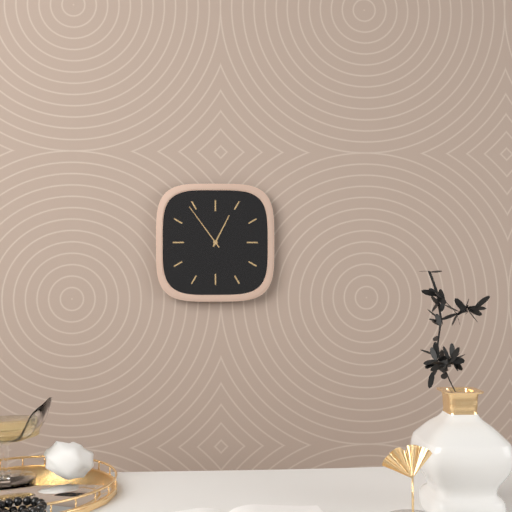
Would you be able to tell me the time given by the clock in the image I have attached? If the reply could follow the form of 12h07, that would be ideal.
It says 12h54
